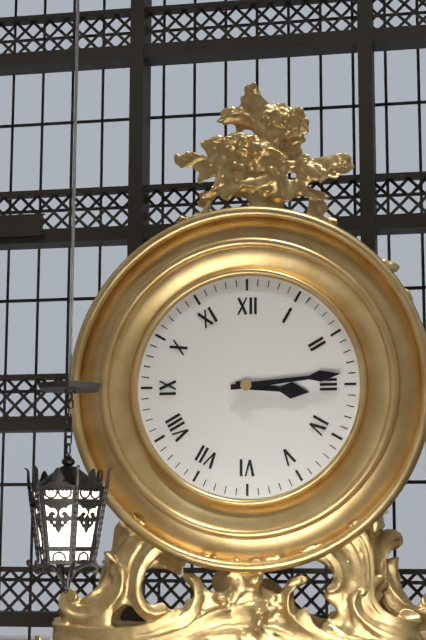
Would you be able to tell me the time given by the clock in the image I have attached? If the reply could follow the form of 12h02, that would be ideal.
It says 3h14
